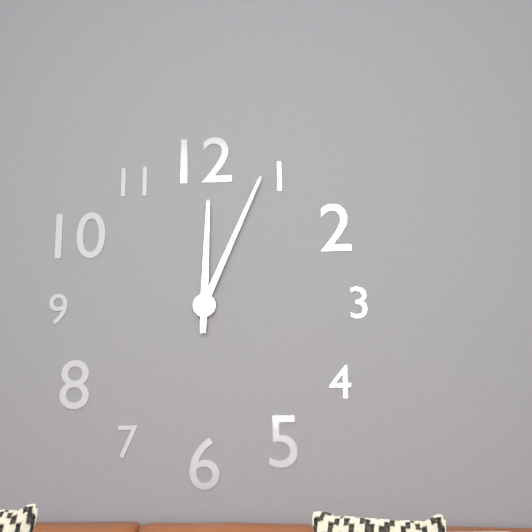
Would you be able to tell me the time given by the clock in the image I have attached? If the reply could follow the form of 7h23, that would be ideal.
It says 12h04
